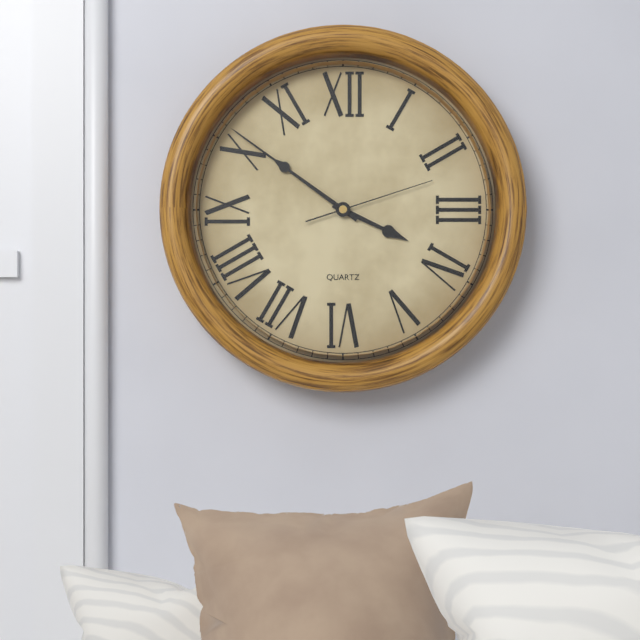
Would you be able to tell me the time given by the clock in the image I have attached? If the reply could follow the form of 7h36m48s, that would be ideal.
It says 3h51m12s
